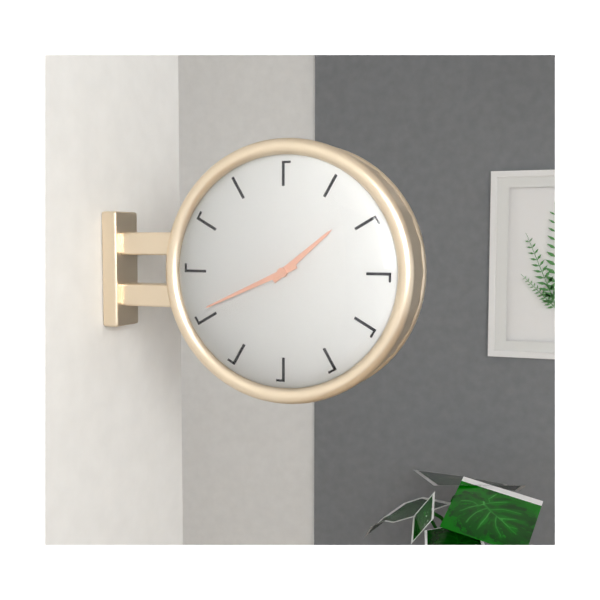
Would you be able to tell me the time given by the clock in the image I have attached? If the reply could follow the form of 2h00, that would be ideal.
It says 1h41
